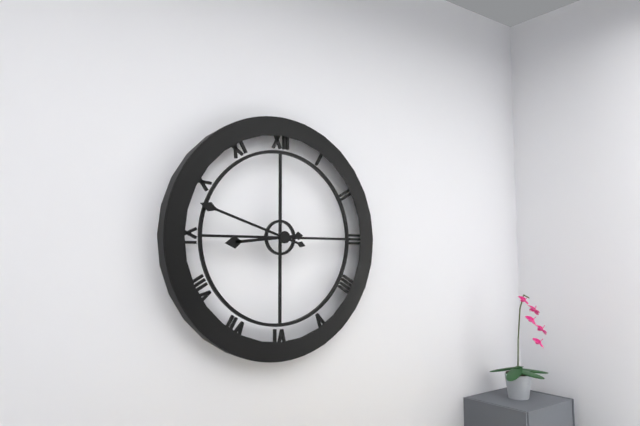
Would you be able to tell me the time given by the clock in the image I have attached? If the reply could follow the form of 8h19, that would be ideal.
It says 8h48
